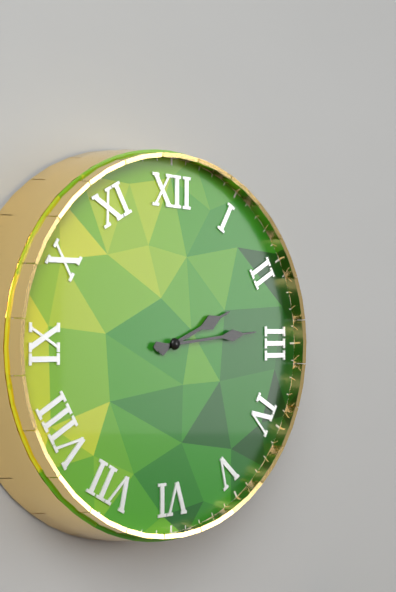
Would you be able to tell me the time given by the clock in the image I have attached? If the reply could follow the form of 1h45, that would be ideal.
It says 2h14
